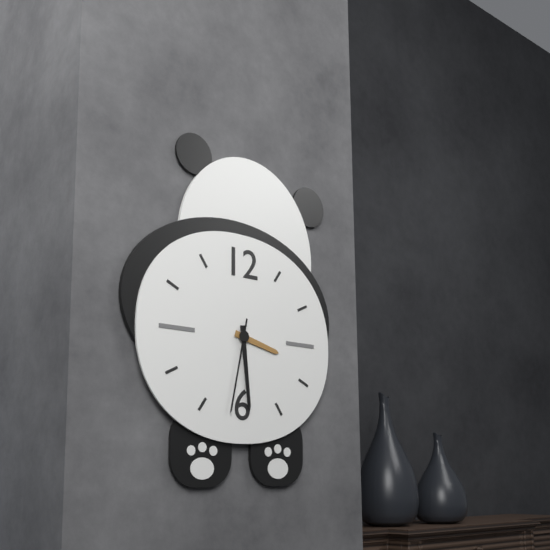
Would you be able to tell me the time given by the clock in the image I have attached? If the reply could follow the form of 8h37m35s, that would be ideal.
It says 3h29m32s
